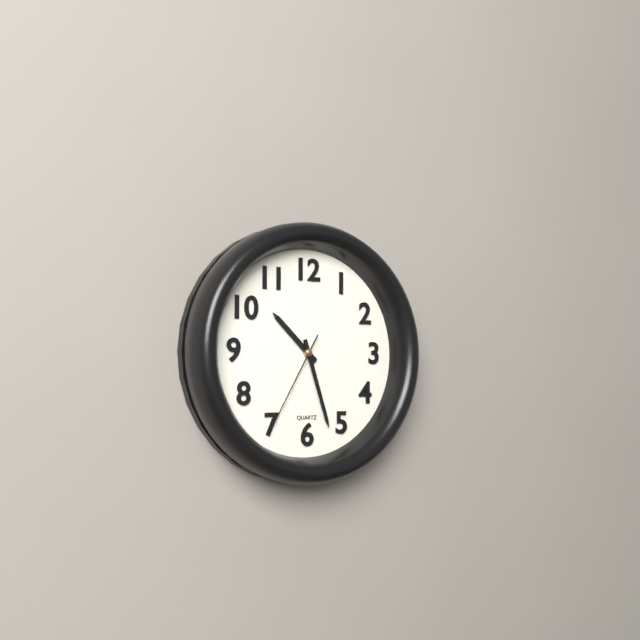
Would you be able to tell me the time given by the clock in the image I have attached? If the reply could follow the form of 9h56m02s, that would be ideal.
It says 10h27m35s
